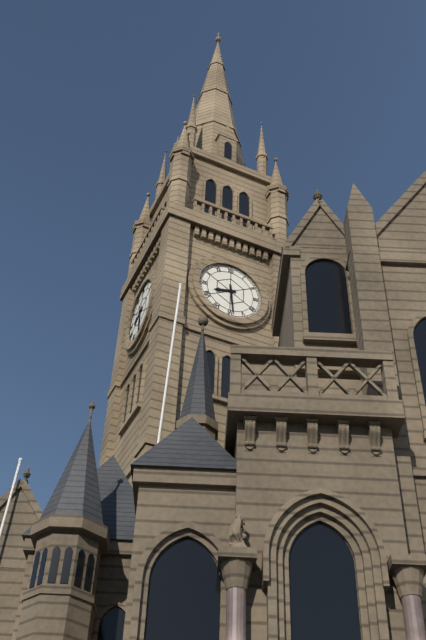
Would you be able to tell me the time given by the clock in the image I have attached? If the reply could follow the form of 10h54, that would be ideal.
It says 8h29
